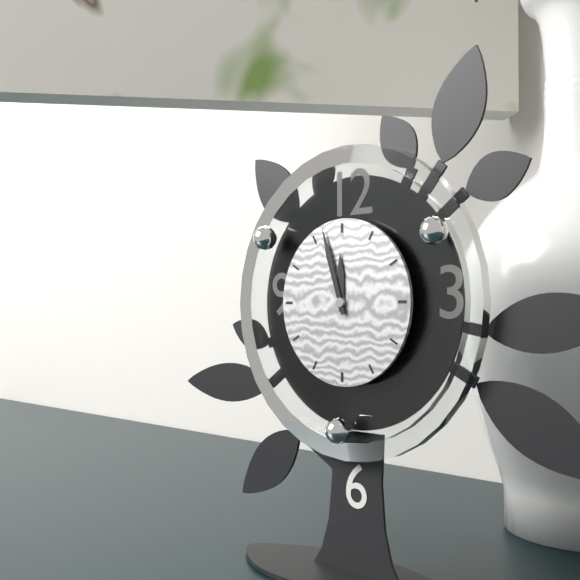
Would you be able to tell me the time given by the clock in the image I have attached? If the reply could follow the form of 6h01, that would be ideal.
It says 11h57
